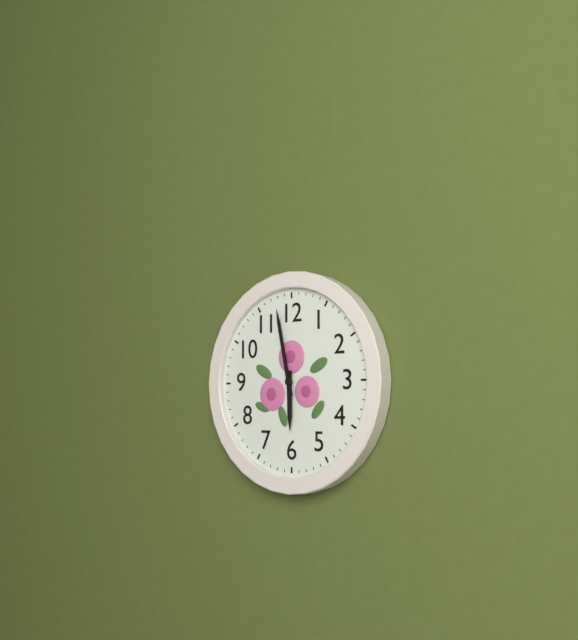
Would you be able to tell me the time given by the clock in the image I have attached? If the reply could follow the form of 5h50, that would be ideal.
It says 5h58
